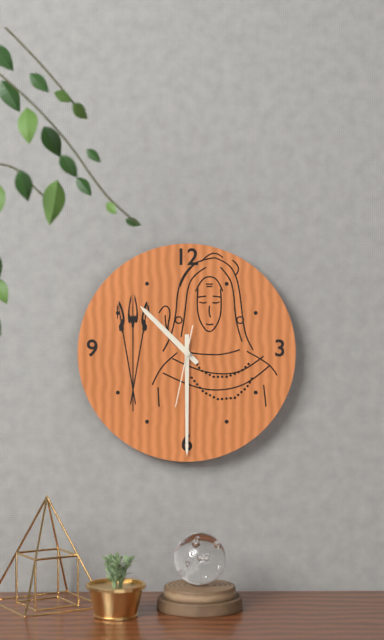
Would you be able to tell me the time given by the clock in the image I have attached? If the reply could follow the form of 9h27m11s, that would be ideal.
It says 10h30m32s
